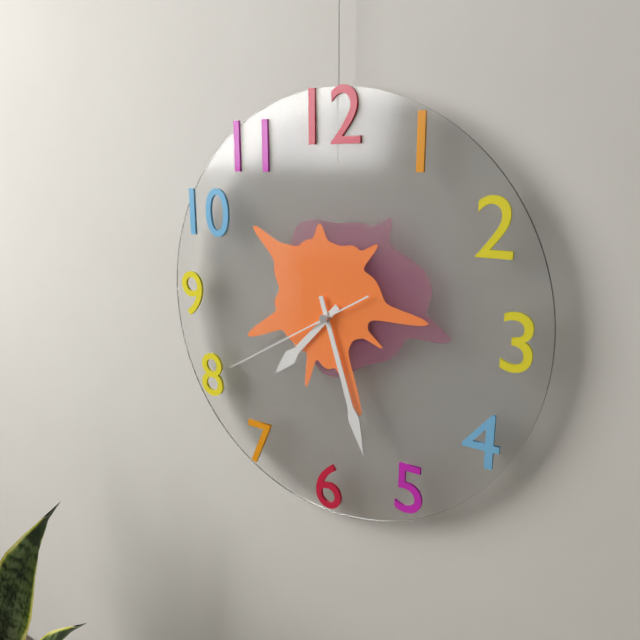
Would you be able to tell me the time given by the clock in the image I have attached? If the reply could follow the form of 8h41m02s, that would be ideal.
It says 7h27m40s
